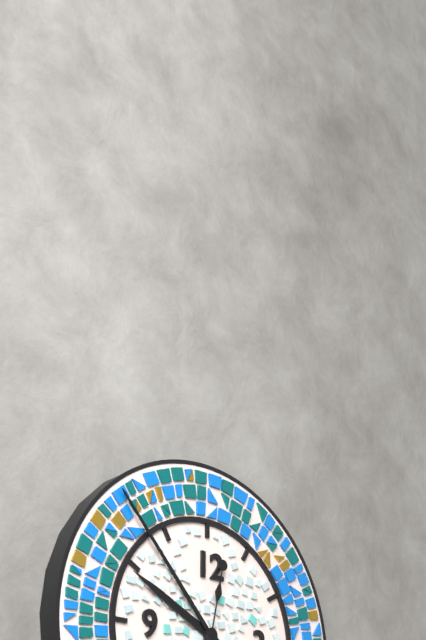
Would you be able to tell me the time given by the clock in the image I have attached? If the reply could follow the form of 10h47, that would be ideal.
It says 9h53
